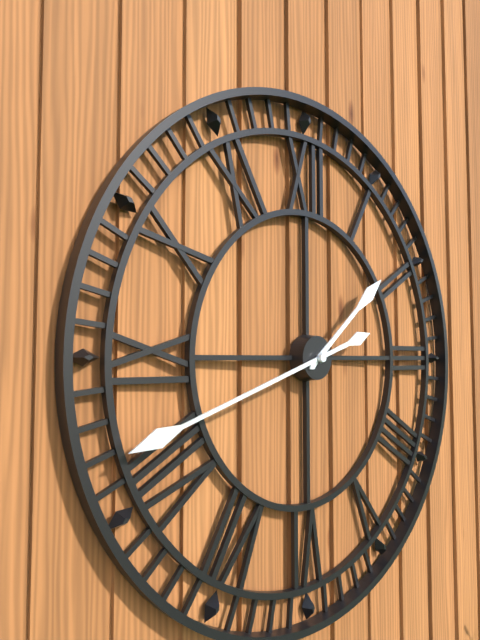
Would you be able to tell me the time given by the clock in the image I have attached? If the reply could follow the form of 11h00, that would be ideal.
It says 1h42
